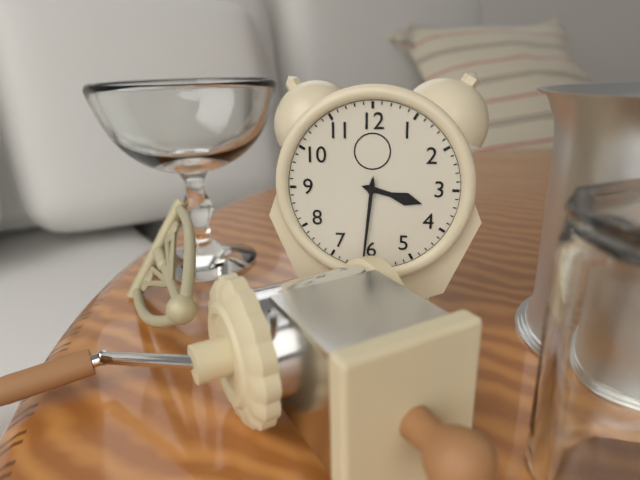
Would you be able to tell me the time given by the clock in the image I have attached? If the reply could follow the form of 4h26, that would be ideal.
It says 3h31
